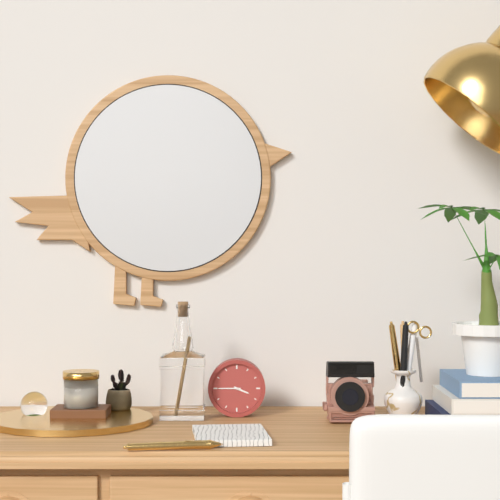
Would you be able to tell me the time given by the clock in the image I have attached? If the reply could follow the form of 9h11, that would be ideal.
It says 3h45
